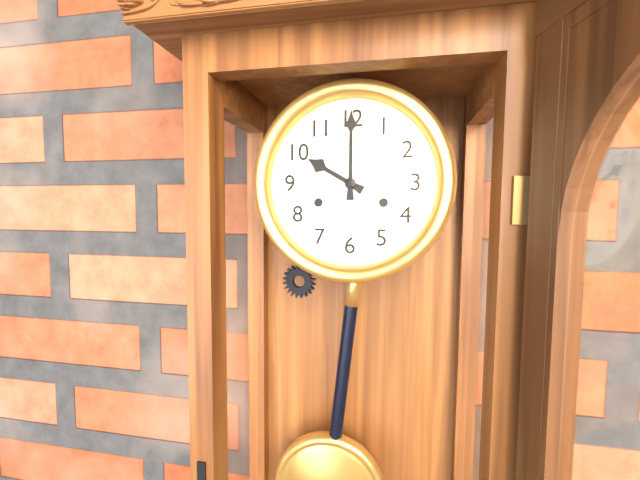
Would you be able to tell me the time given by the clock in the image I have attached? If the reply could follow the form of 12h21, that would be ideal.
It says 10h00
